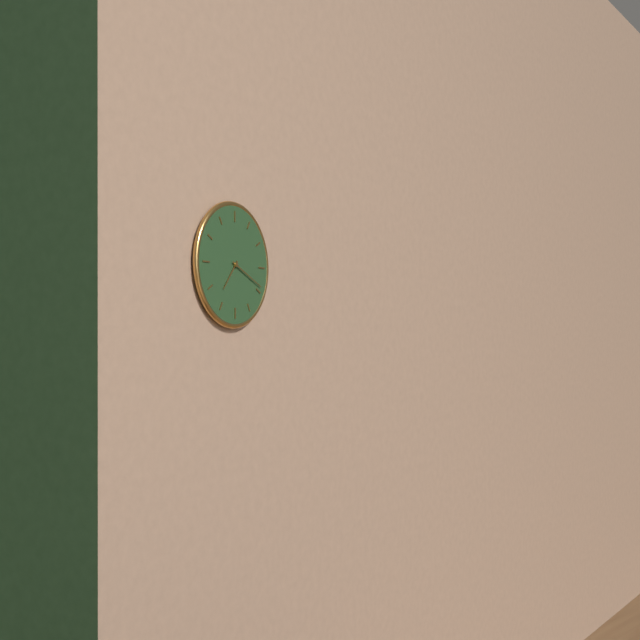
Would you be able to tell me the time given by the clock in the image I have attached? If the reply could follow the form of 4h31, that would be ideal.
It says 7h19
